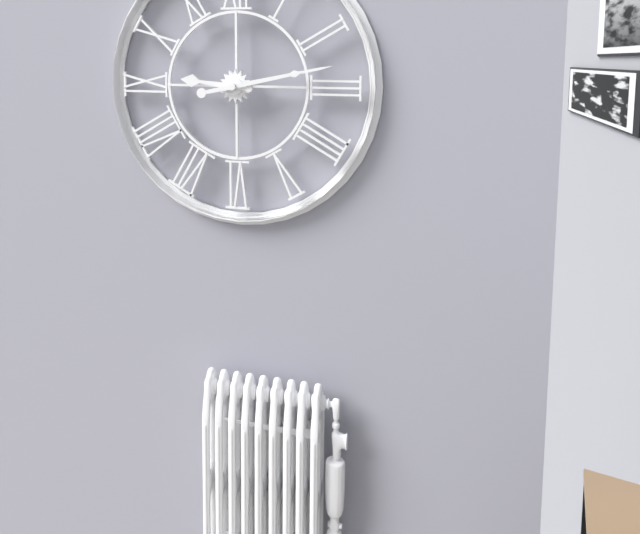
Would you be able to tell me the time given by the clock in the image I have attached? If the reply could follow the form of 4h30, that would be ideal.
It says 9h13
